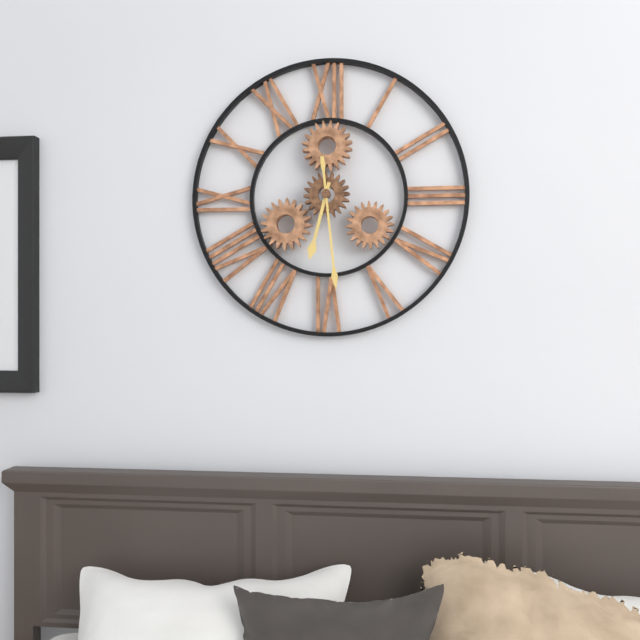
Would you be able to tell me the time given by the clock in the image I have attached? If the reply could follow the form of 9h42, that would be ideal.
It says 6h29
